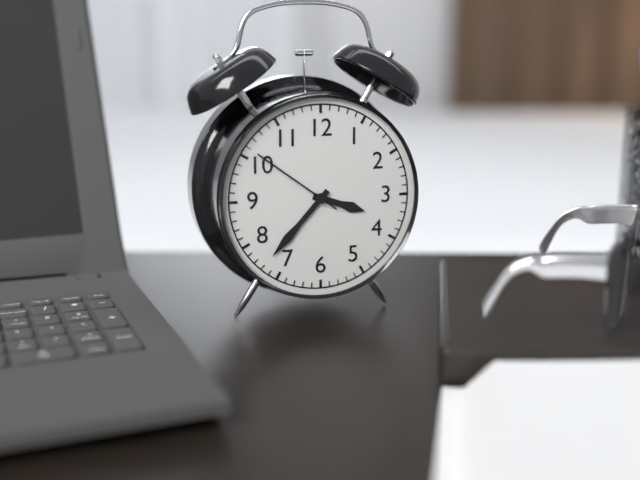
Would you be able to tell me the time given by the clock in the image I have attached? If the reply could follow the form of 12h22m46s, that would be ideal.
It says 3h37m51s
